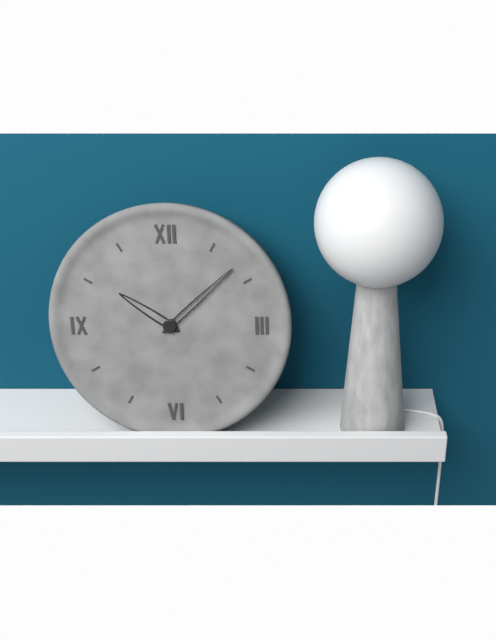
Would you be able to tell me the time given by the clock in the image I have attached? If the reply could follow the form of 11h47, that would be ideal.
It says 10h08
